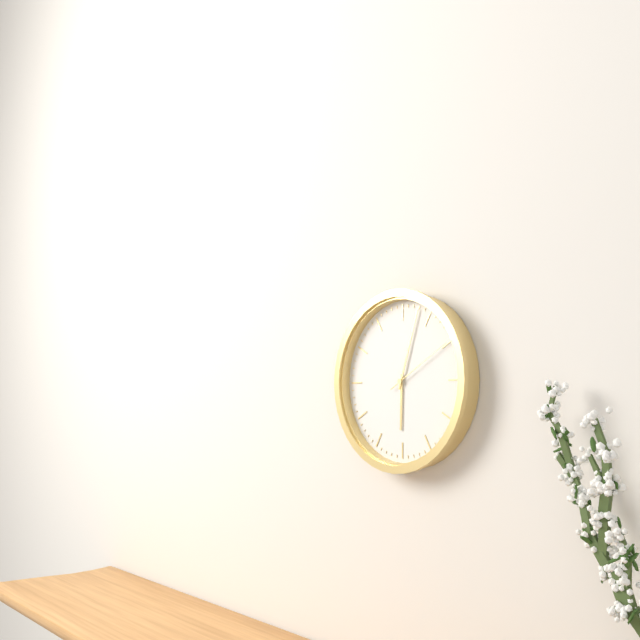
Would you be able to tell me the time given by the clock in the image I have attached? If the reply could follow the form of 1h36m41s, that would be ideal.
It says 6h03m10s
